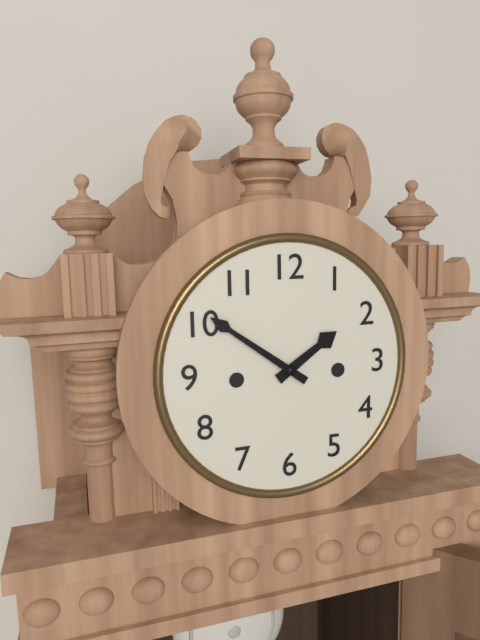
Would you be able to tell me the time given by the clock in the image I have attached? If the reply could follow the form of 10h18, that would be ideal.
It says 1h51
